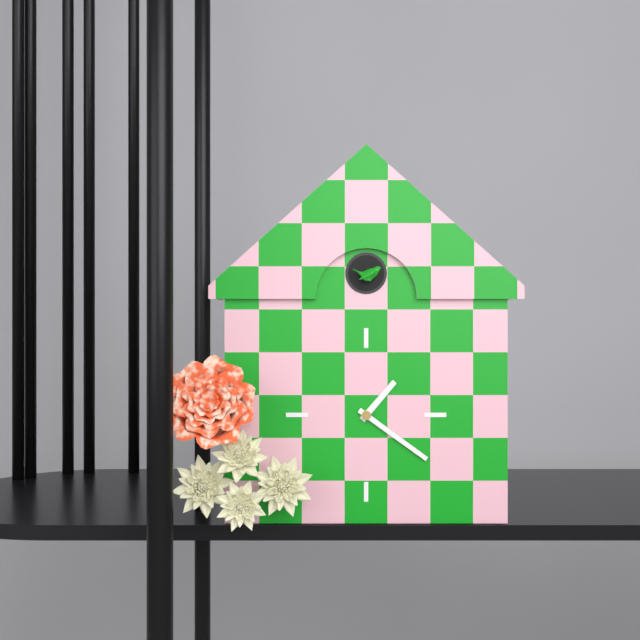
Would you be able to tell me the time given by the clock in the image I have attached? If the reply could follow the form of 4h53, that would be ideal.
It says 1h21
